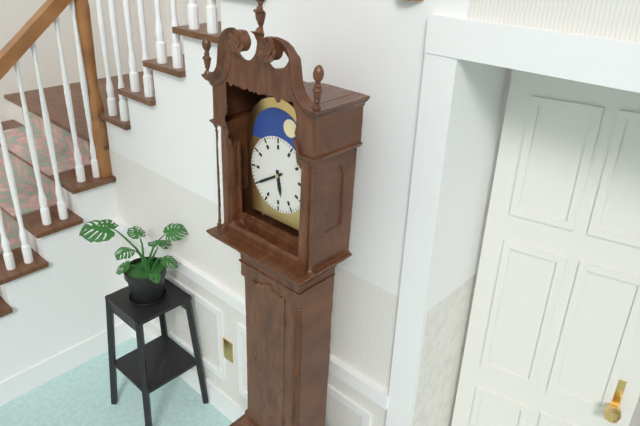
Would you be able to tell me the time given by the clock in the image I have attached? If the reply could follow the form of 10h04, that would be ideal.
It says 5h40
